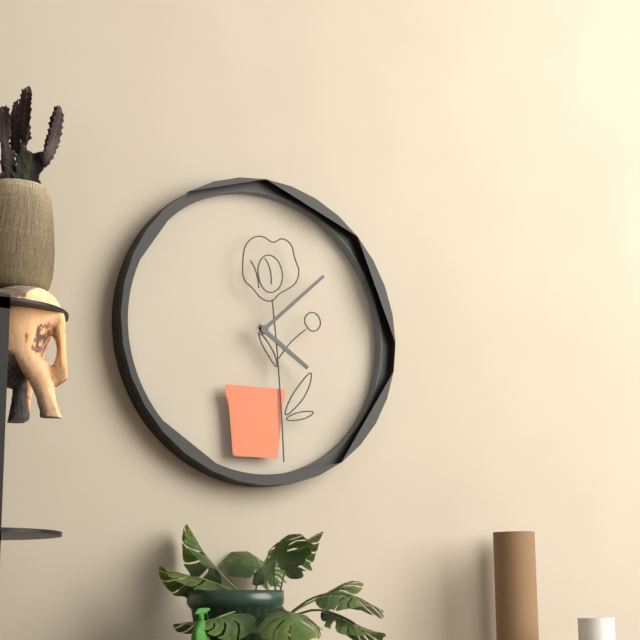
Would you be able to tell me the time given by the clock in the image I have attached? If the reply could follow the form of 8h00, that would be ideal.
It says 4h08
